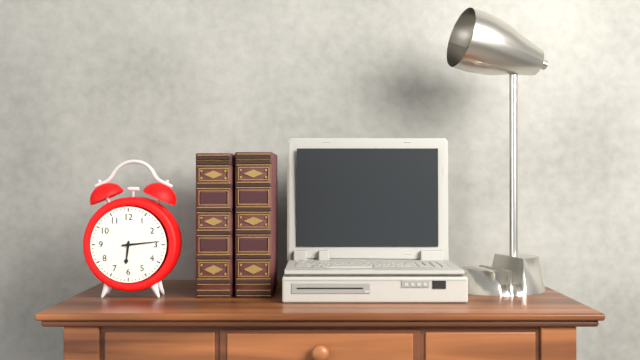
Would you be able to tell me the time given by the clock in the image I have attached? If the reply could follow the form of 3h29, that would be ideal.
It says 6h14
